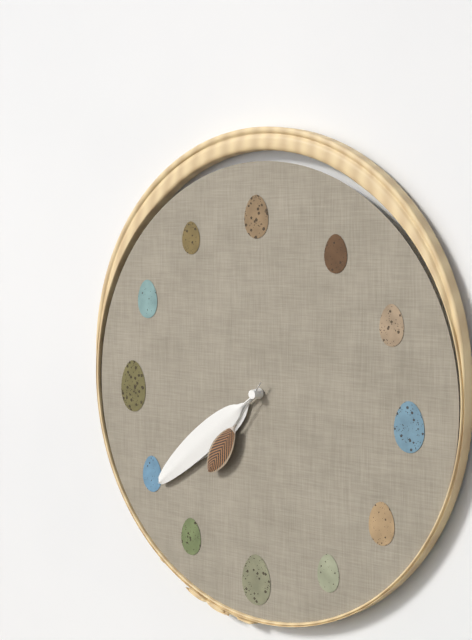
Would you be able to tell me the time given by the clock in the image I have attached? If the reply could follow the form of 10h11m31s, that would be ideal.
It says 7h39m36s
